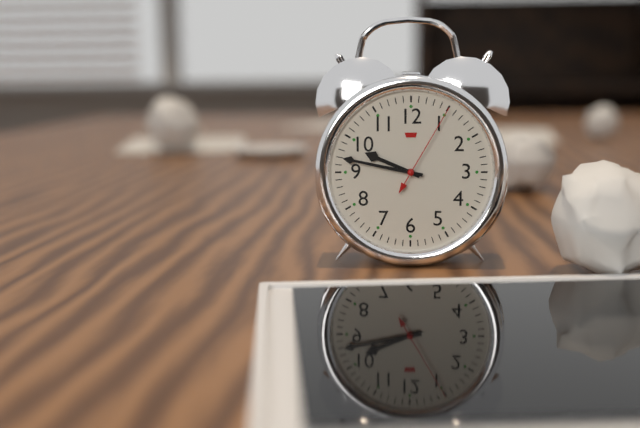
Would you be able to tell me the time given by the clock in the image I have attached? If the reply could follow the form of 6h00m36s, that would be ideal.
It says 9h47m05s
